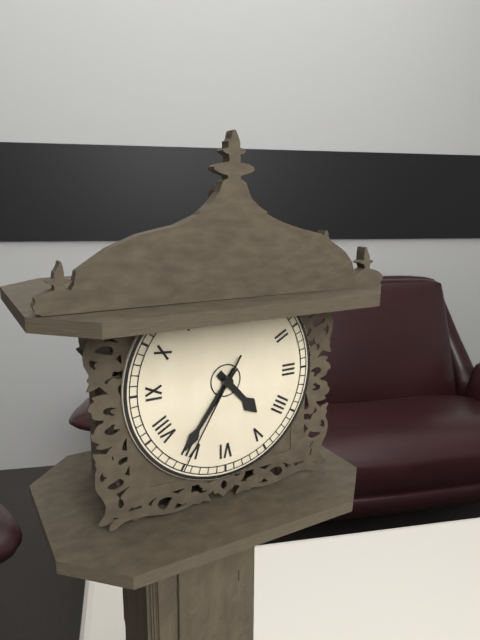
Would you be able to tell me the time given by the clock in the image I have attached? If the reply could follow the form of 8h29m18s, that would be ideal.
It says 4h36m35s
